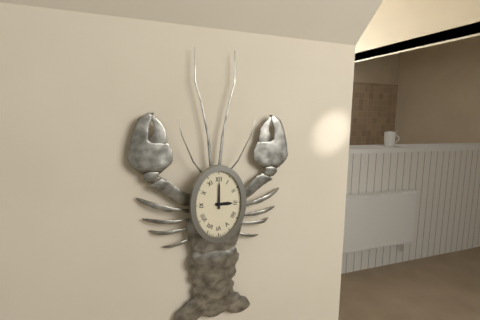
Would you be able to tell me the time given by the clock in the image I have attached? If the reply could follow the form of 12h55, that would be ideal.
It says 3h00
